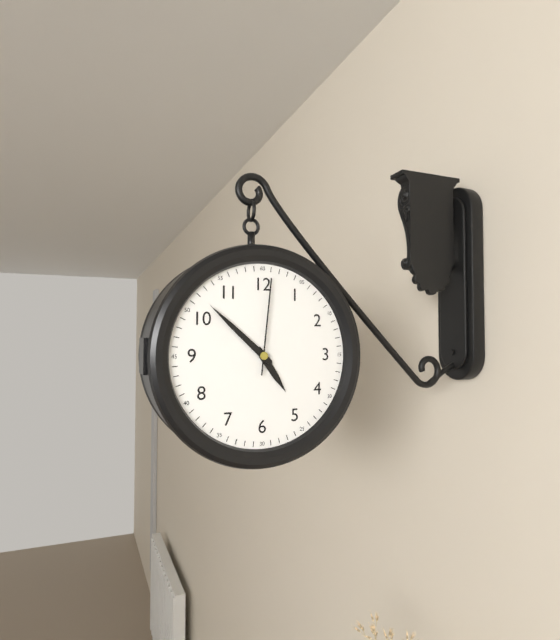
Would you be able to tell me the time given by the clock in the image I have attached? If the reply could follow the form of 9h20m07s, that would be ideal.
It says 4h52m01s
